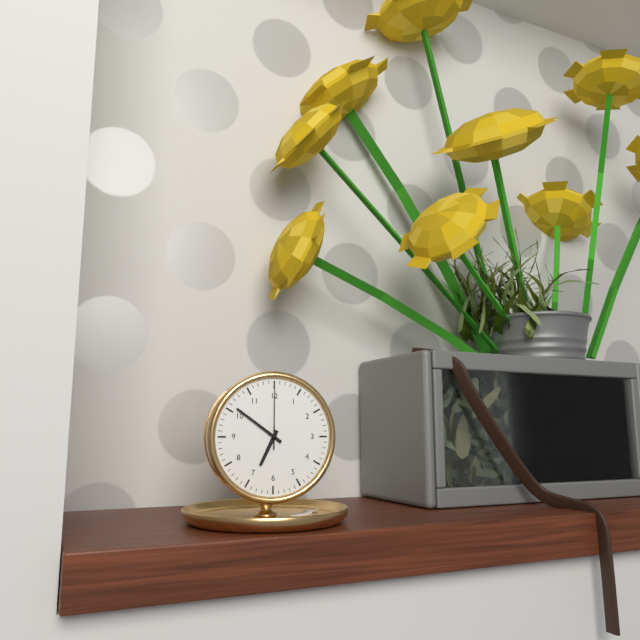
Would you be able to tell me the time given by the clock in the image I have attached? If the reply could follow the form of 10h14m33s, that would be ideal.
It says 6h51m00s
